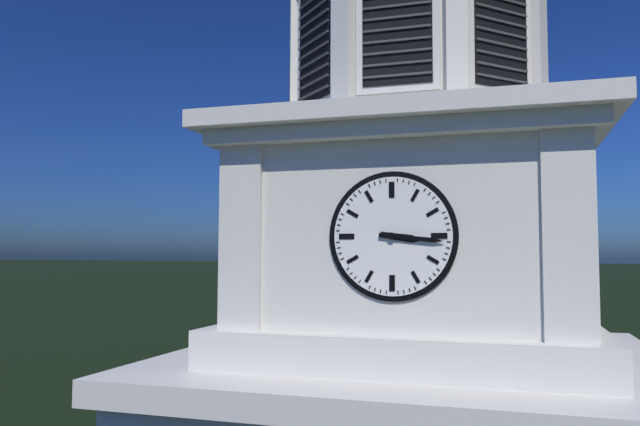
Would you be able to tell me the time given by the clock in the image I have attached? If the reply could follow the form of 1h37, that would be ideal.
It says 3h16
